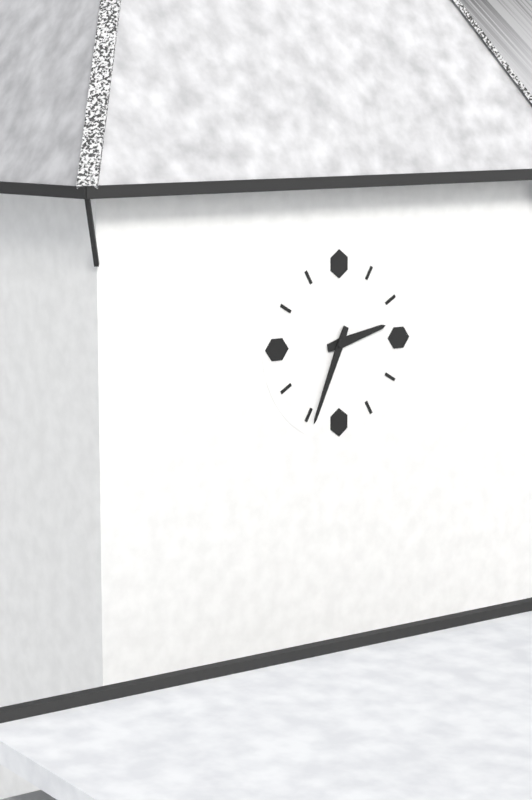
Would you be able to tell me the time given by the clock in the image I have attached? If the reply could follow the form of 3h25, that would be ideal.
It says 2h34
